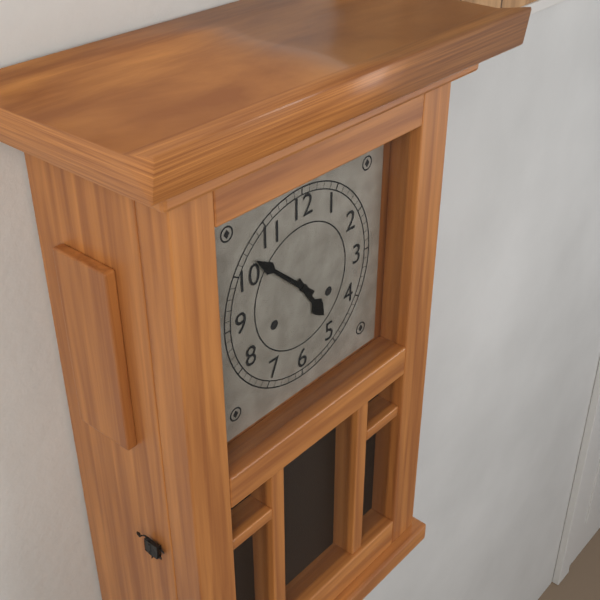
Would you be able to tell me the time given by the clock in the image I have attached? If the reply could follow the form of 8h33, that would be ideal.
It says 4h52
